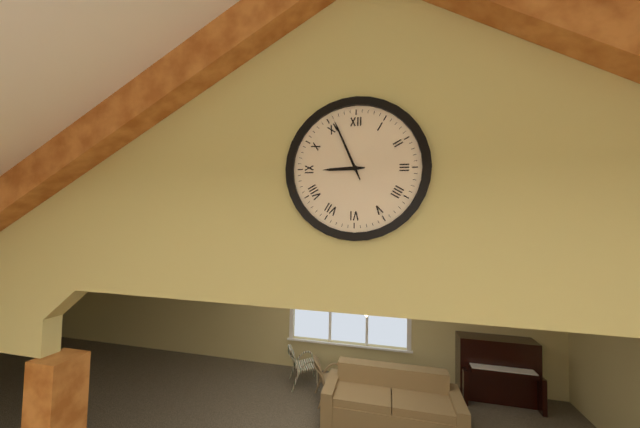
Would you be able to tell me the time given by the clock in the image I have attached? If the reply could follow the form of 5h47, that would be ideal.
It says 8h56
